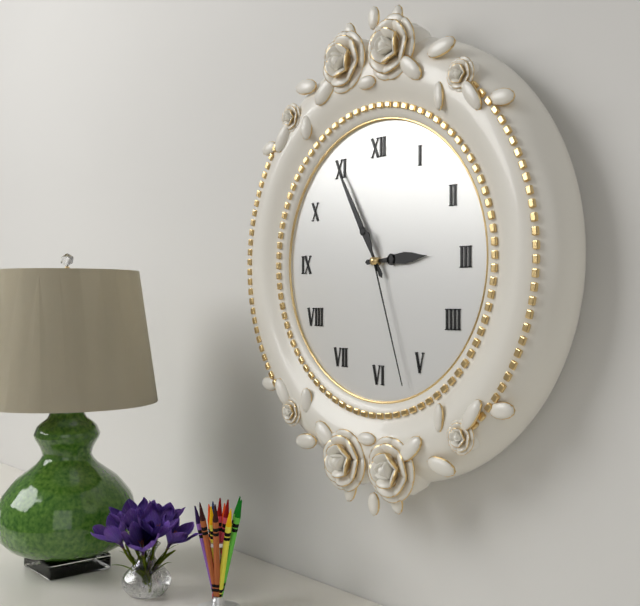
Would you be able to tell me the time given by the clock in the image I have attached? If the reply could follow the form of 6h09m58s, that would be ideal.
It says 2h55m27s
